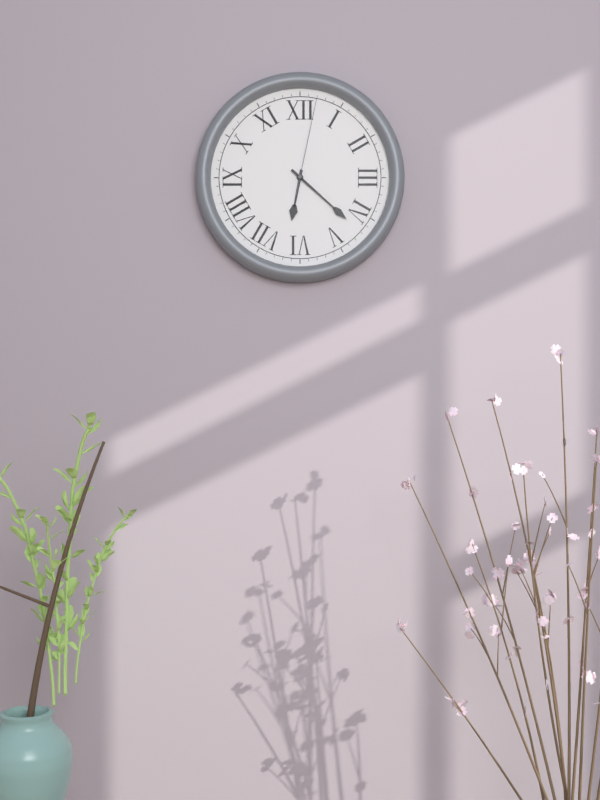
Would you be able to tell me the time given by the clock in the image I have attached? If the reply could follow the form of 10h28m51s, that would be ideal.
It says 6h22m02s
